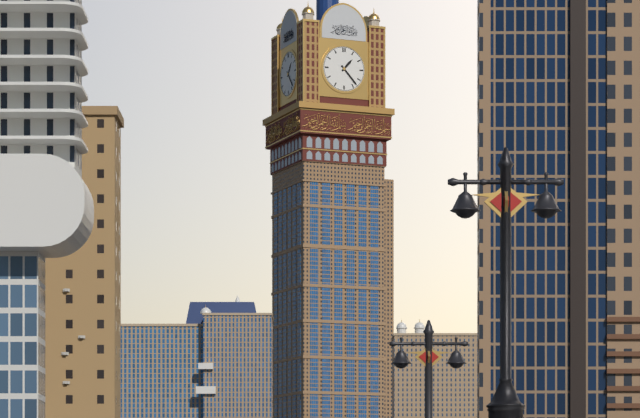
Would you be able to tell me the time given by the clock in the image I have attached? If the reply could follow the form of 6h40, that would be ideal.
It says 1h23
